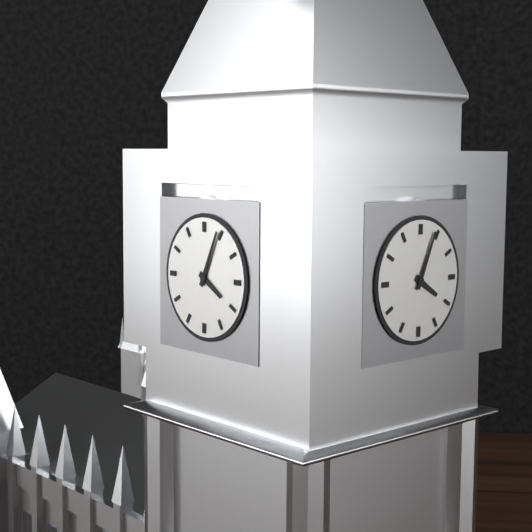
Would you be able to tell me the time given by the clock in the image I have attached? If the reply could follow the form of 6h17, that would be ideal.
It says 4h04
